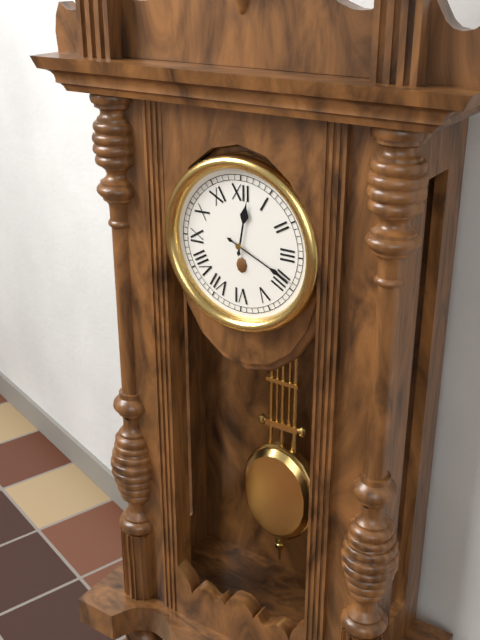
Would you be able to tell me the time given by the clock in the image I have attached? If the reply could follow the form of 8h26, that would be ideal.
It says 12h19
